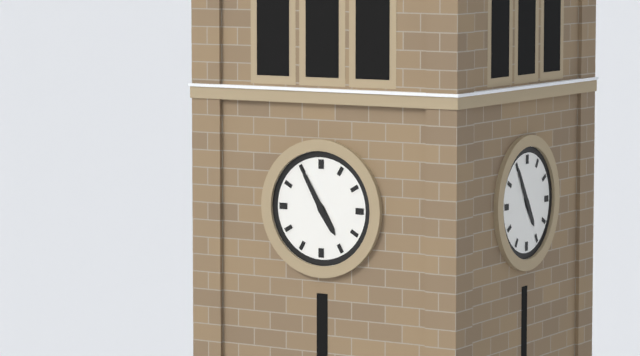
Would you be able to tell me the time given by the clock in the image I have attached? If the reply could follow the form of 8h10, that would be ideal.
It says 4h55
